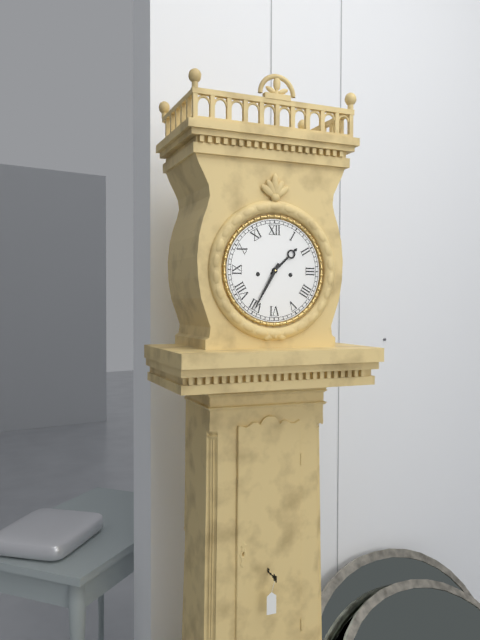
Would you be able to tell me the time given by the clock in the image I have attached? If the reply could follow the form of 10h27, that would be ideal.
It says 1h35
